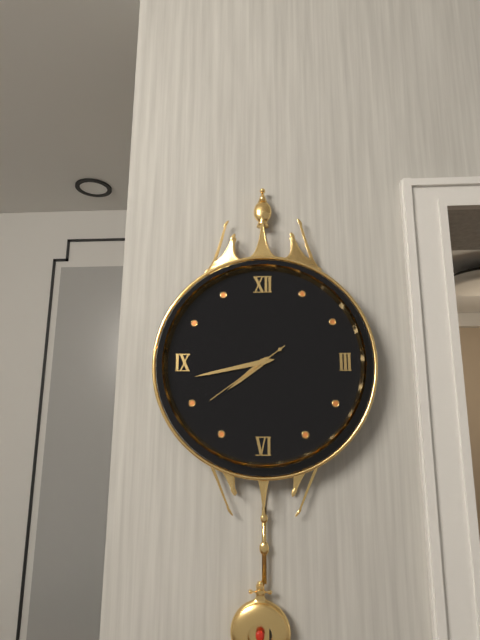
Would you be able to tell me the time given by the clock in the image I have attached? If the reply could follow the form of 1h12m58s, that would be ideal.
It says 7h43m39s
